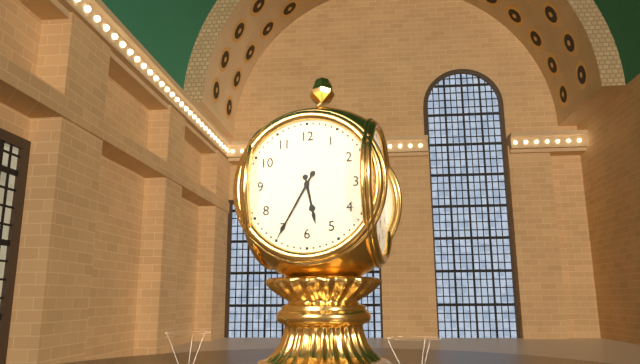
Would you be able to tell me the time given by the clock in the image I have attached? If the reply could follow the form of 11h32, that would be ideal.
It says 5h35
